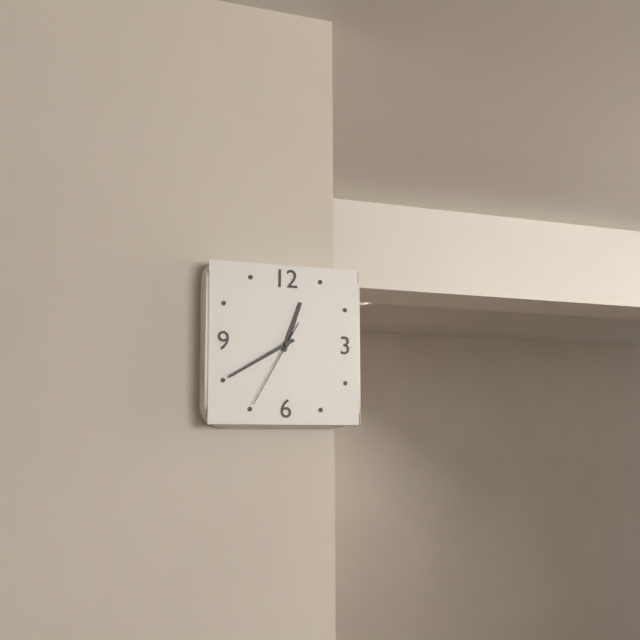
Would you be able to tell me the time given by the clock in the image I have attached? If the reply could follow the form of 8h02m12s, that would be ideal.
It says 12h40m35s
